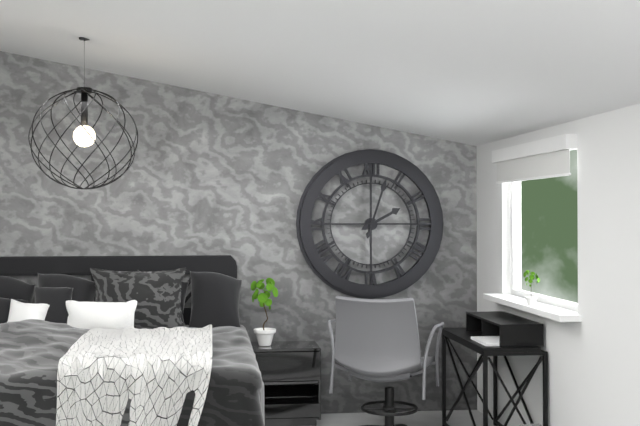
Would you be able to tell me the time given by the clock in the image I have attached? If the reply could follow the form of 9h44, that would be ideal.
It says 2h03
